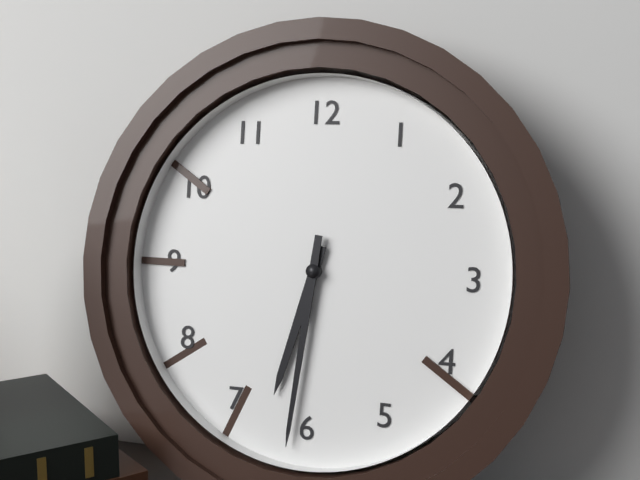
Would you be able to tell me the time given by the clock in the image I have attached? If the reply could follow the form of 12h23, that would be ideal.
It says 6h31
